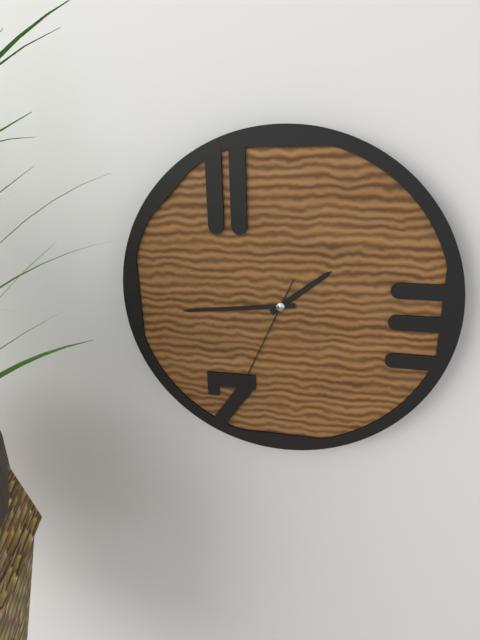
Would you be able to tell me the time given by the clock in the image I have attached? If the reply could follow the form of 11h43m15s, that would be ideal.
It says 1h44m34s
